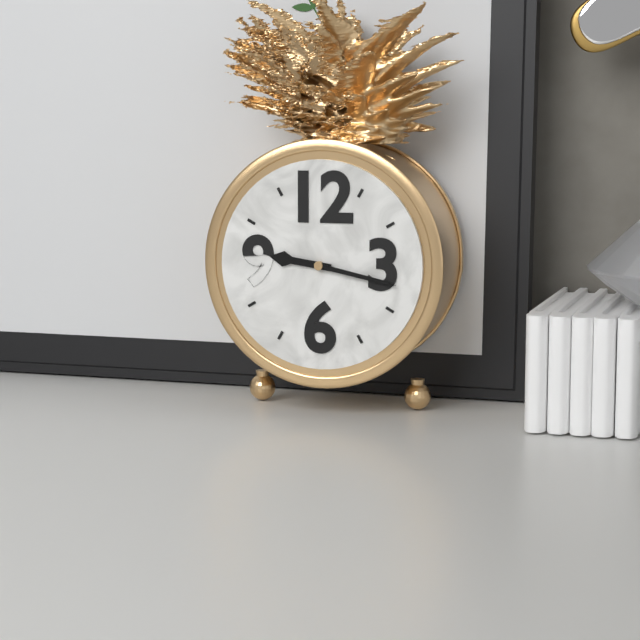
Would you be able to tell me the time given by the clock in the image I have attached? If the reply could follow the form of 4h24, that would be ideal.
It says 9h17
